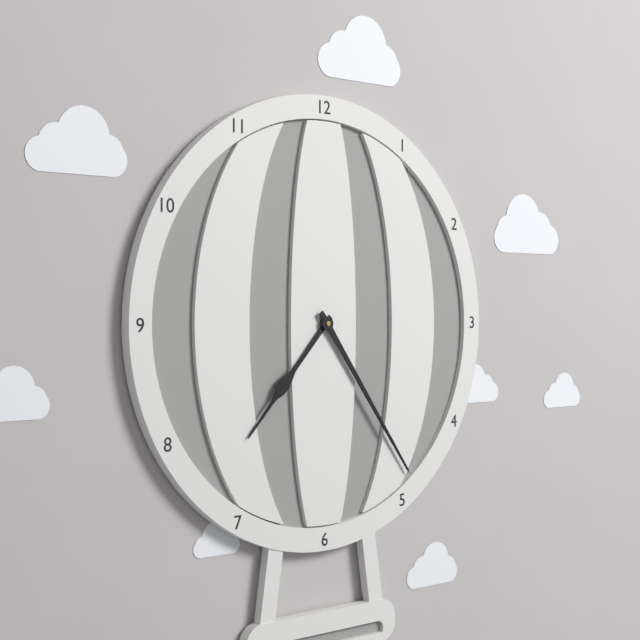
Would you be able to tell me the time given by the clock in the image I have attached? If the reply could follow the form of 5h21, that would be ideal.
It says 7h24
